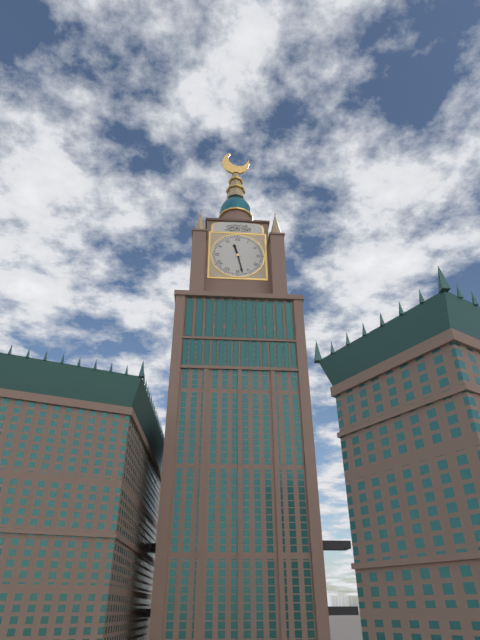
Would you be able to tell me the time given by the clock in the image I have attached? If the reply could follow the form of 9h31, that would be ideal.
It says 11h28
